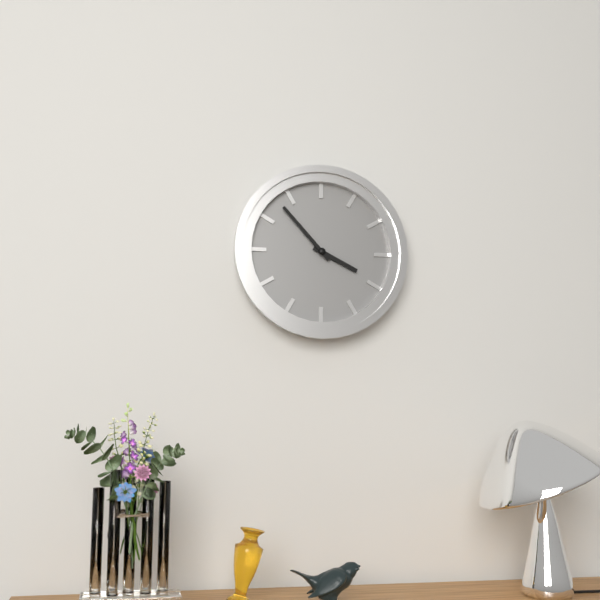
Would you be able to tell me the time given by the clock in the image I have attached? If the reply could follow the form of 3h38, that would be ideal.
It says 3h53
